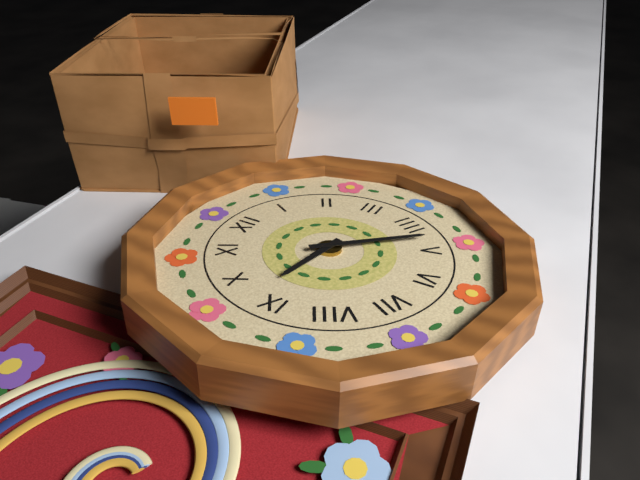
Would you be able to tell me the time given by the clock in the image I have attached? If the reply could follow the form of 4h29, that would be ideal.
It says 9h23
